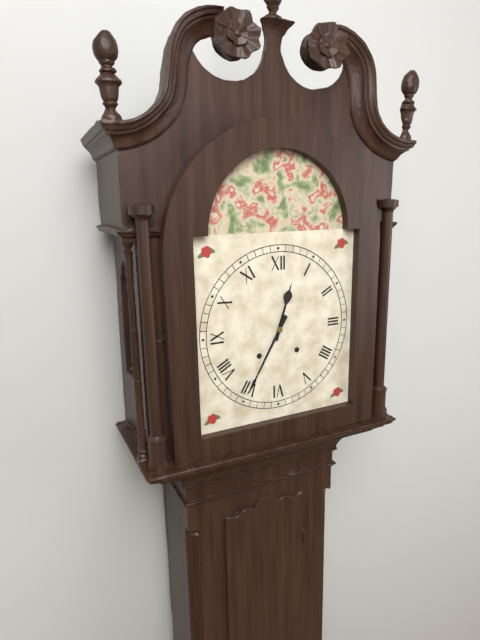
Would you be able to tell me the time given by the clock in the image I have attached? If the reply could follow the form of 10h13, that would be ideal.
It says 12h35
